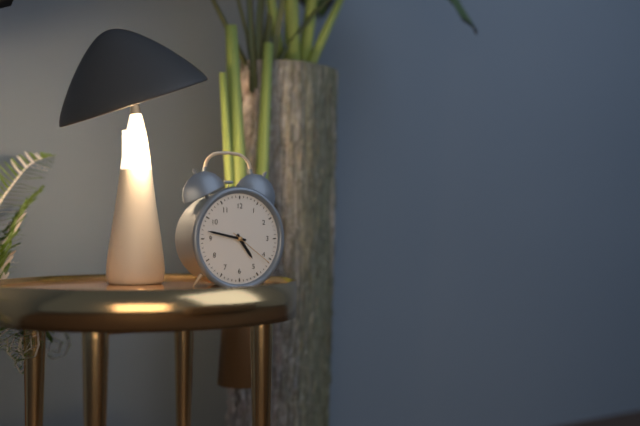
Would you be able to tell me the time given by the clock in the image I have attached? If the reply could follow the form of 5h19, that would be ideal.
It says 4h47
